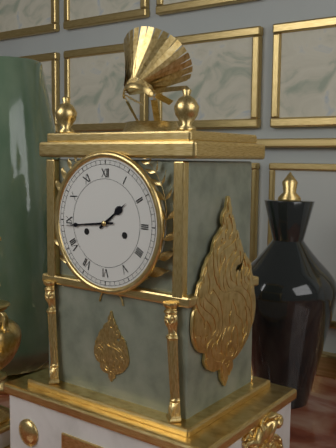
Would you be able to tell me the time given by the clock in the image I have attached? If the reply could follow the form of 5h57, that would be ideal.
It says 1h44
